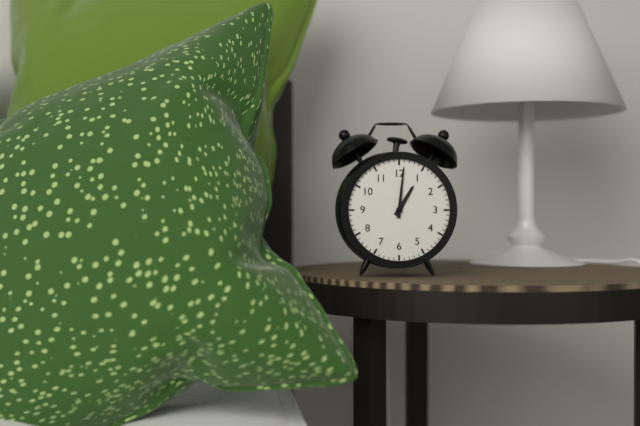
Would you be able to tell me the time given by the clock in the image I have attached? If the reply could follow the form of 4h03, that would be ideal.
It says 1h01
